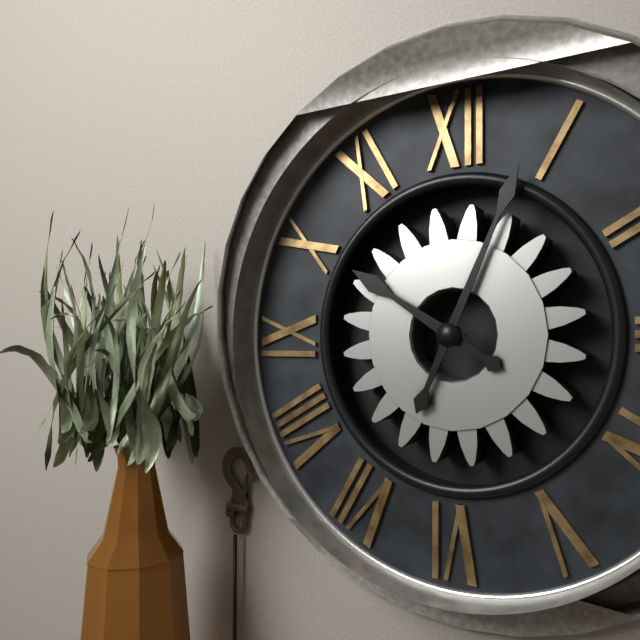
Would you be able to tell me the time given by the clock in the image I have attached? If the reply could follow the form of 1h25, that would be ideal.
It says 10h04
